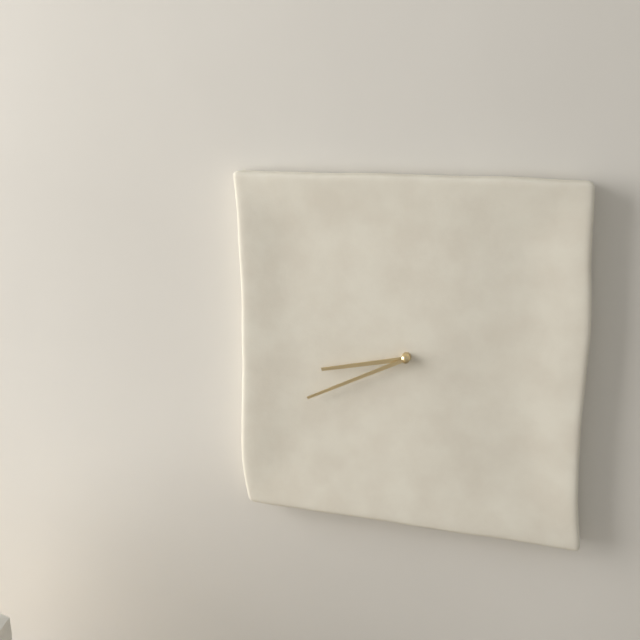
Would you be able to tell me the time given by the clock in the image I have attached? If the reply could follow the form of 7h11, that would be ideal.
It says 8h41
